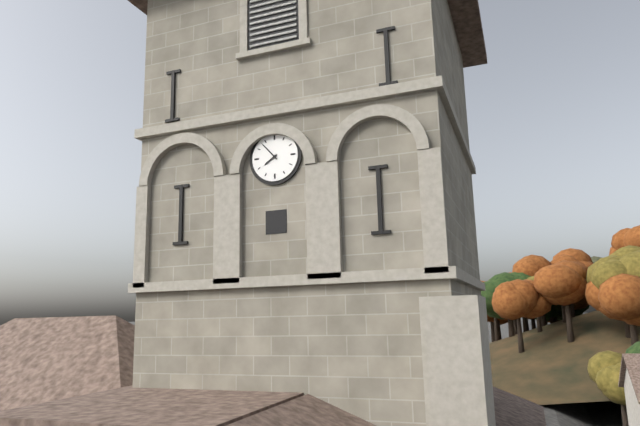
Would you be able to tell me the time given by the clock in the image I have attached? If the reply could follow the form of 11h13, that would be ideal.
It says 7h53
